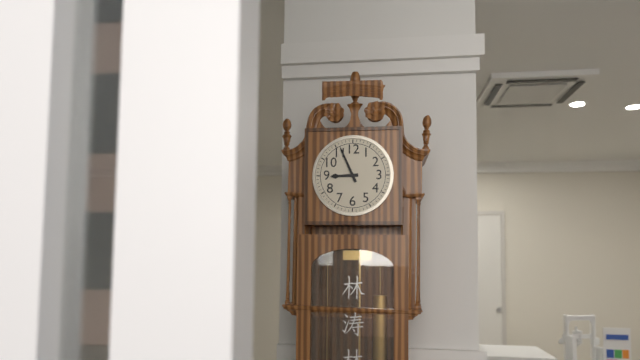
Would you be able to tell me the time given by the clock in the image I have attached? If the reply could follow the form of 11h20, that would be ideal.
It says 8h56
